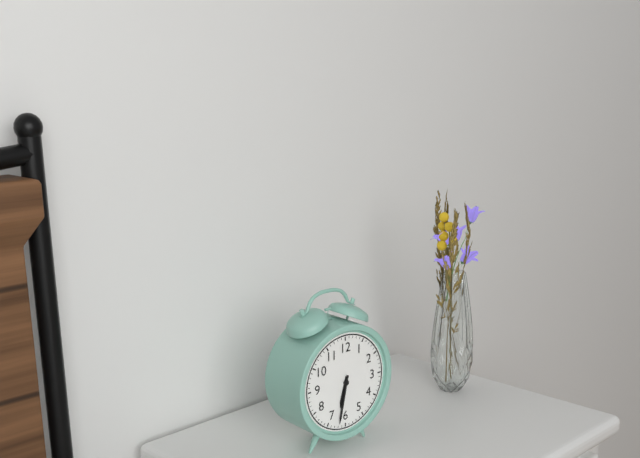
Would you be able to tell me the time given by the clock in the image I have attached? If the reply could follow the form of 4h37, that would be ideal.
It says 6h32
